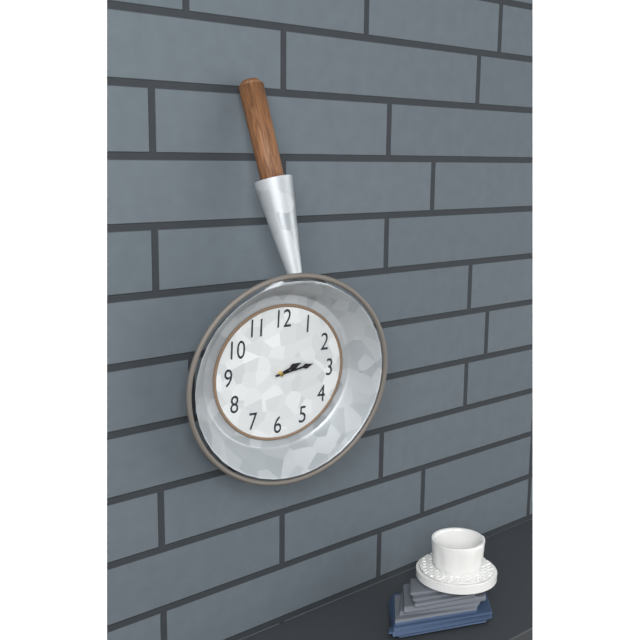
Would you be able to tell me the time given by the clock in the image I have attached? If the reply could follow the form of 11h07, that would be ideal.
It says 2h13
